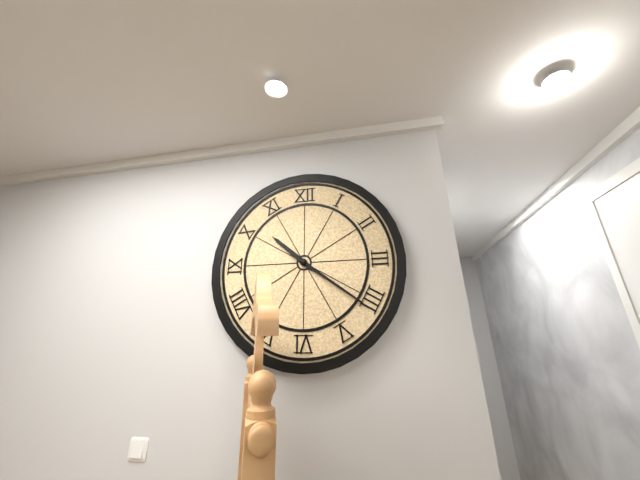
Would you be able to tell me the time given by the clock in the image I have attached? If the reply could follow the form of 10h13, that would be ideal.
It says 10h21
